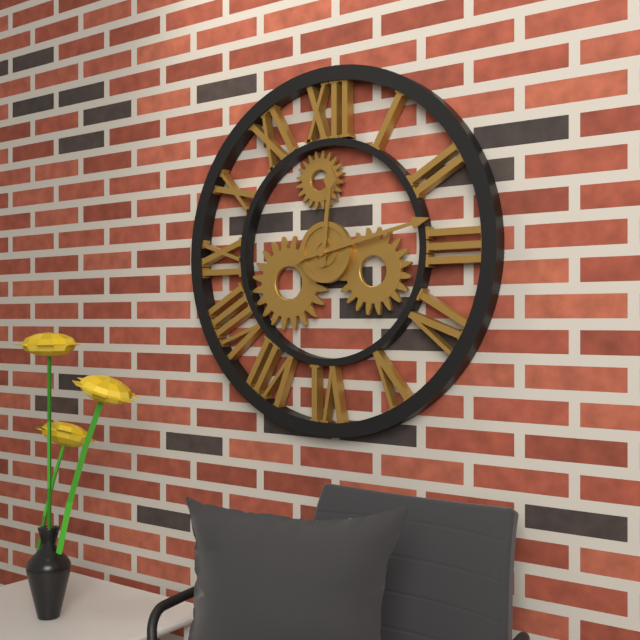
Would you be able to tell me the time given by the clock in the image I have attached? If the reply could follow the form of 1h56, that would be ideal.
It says 12h13
